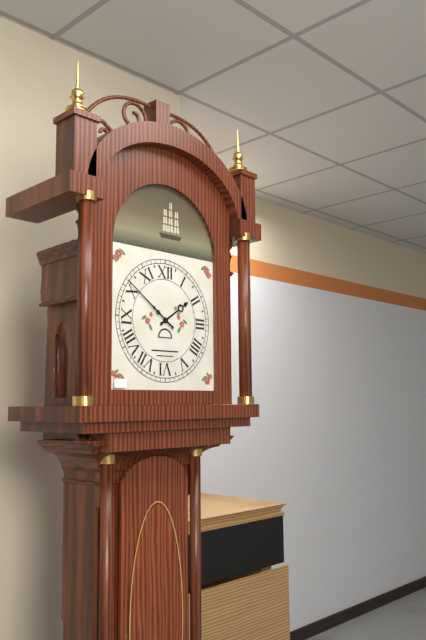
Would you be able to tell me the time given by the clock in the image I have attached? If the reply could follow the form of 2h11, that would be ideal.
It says 1h51
